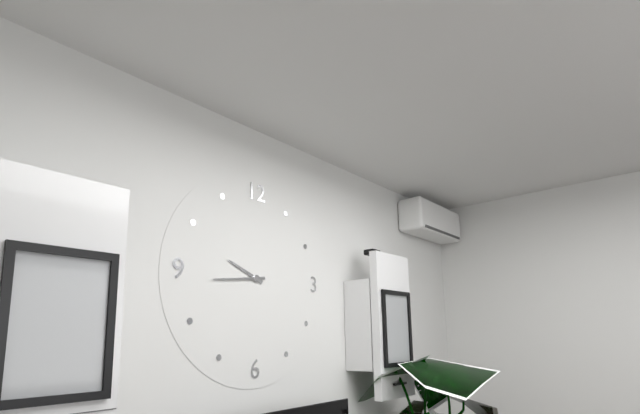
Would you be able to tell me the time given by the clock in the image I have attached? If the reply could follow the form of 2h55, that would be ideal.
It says 9h44
